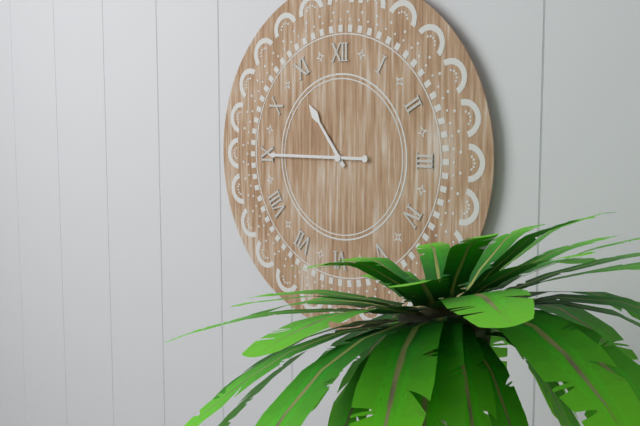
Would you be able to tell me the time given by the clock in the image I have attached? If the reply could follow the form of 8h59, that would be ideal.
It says 10h45
